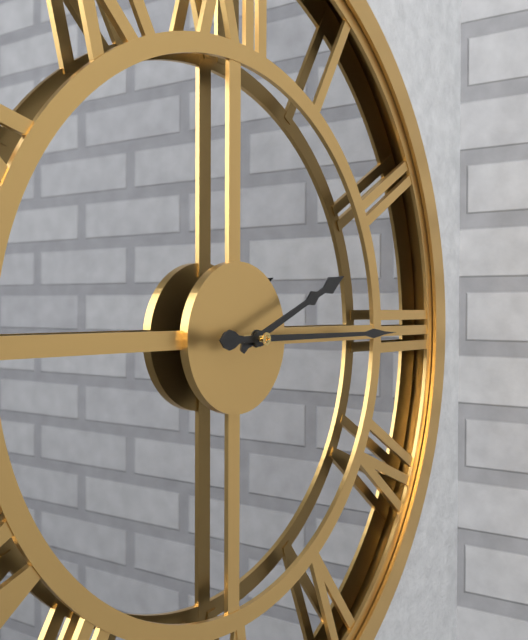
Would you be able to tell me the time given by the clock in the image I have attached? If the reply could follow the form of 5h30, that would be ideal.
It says 2h15
